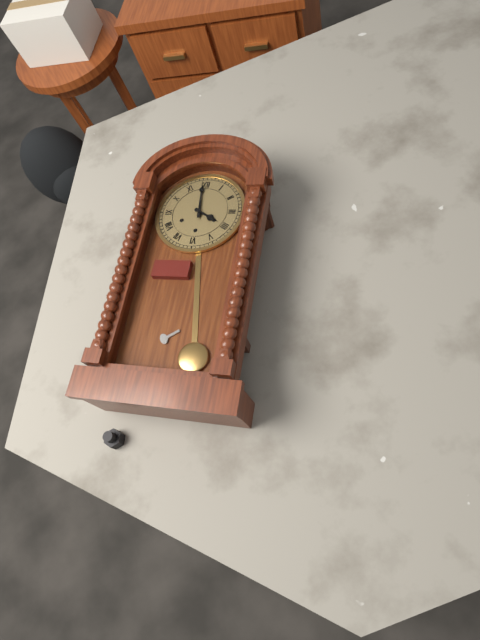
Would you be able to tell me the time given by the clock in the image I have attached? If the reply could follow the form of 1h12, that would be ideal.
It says 3h59
